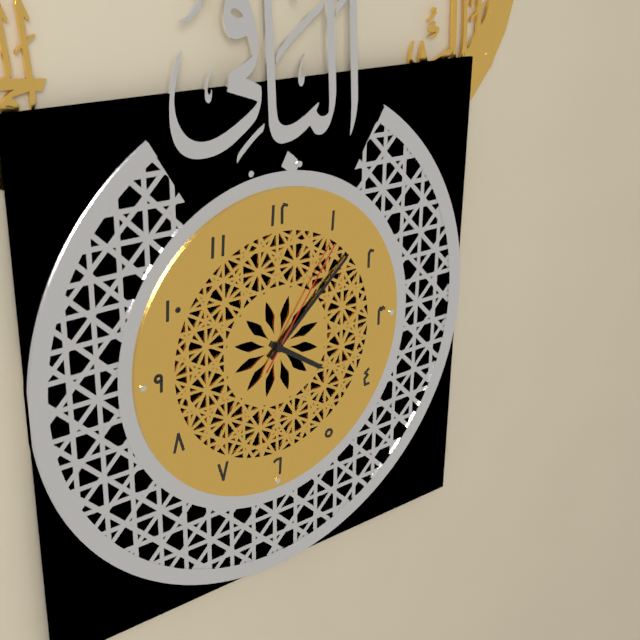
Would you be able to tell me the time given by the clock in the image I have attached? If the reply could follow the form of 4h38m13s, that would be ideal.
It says 4h08m06s
